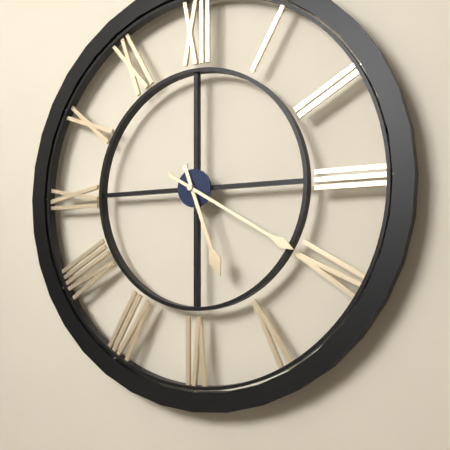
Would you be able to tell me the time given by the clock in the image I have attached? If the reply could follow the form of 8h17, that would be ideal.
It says 5h20
